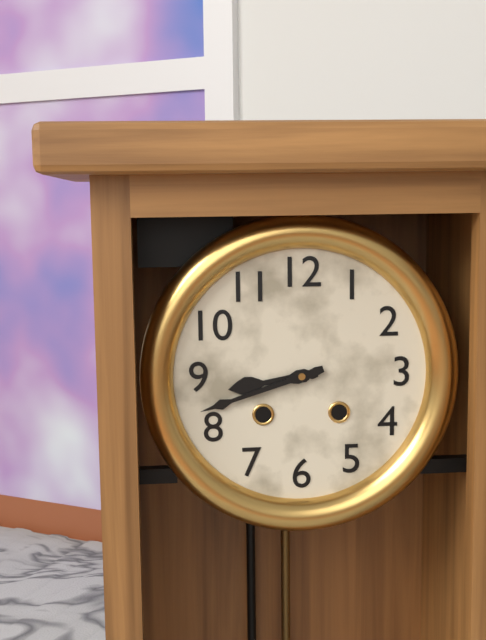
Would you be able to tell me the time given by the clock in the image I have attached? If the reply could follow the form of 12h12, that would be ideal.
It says 8h42
